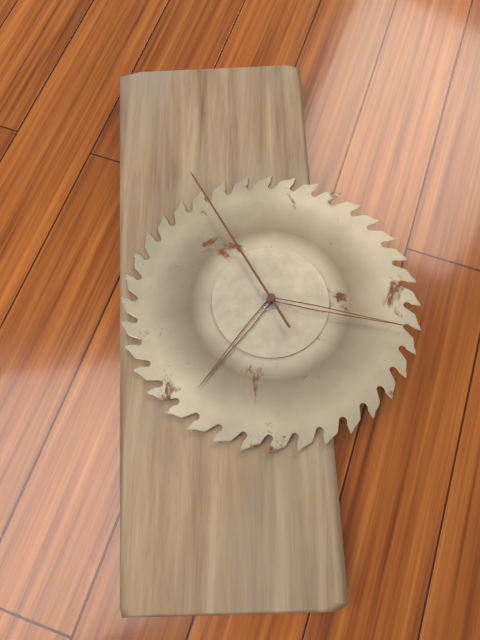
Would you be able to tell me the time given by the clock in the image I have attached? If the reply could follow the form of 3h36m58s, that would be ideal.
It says 7h17m55s
